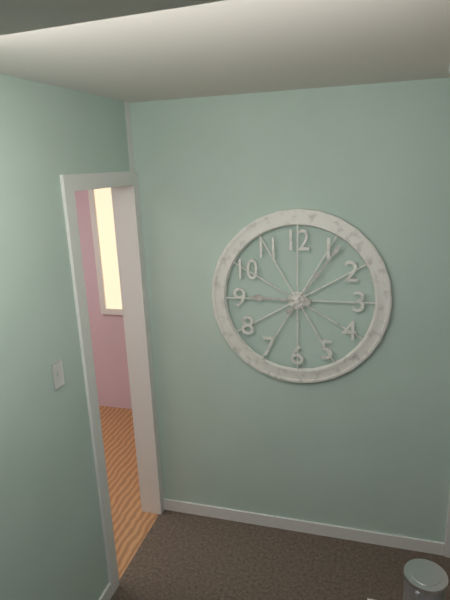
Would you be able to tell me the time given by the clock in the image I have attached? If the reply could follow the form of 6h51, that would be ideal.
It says 9h06
